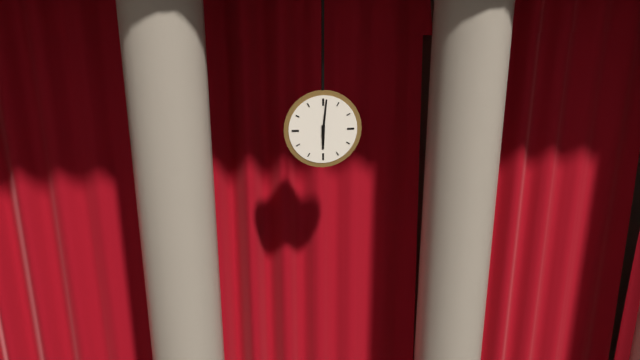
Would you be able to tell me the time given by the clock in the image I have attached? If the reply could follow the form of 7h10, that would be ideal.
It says 6h01
